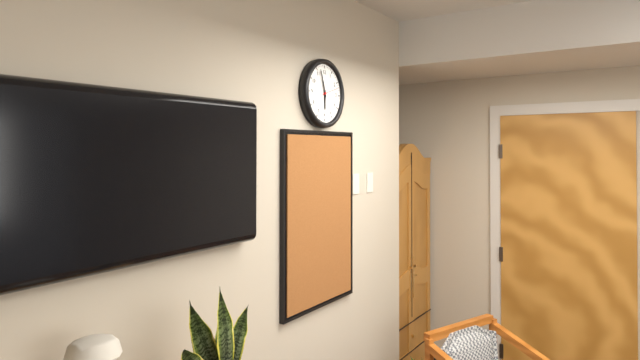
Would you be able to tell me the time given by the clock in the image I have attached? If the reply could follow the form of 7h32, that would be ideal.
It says 5h57
